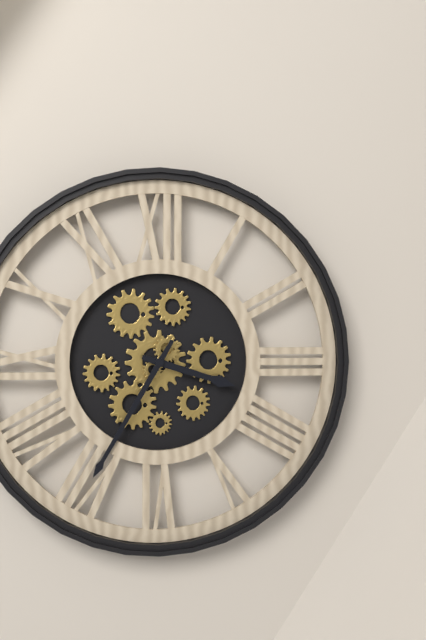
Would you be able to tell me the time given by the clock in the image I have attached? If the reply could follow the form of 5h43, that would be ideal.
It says 3h35
